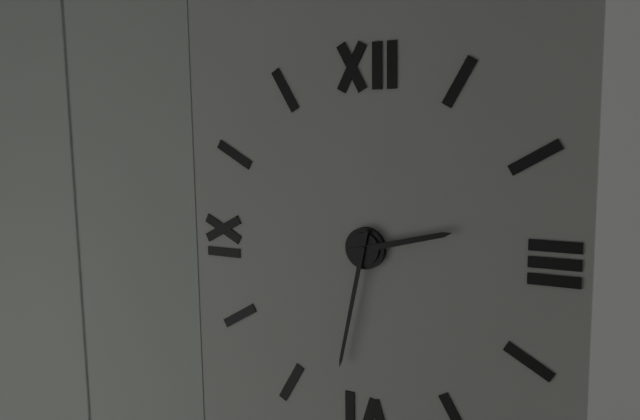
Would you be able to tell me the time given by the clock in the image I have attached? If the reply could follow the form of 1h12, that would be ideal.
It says 2h32
